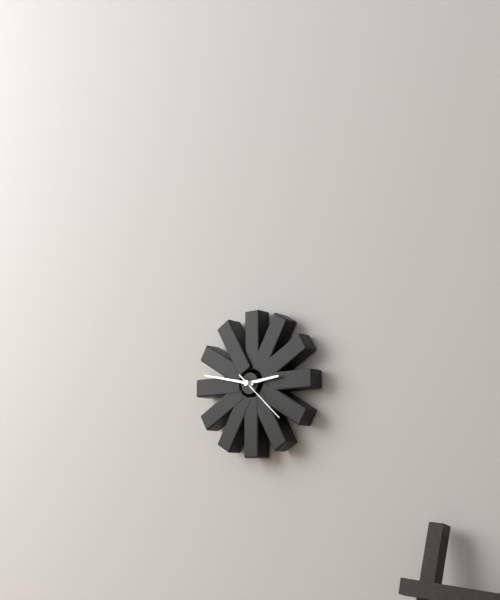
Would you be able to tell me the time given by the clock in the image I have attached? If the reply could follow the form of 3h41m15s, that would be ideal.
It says 2h47m22s
